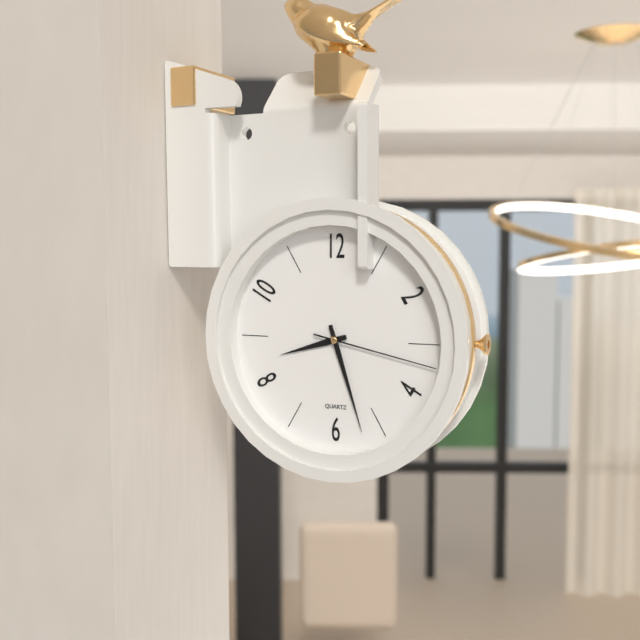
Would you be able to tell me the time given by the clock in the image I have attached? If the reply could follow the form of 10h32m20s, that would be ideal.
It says 8h27m17s
